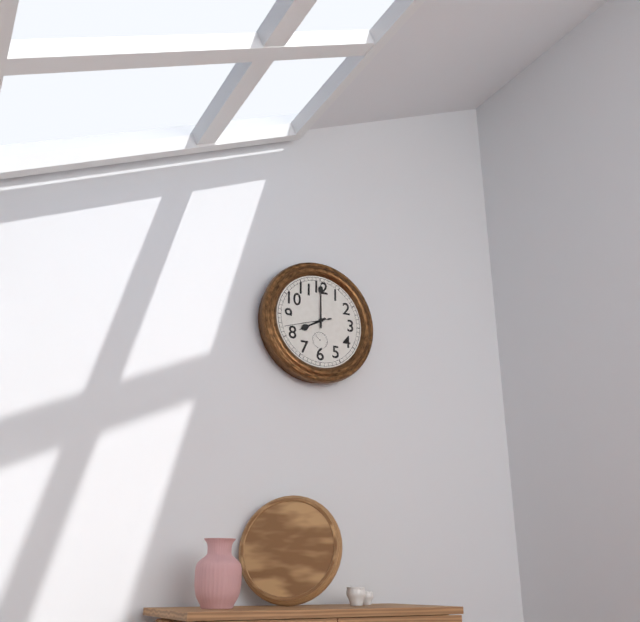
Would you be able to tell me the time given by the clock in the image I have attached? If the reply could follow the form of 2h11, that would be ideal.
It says 8h00
